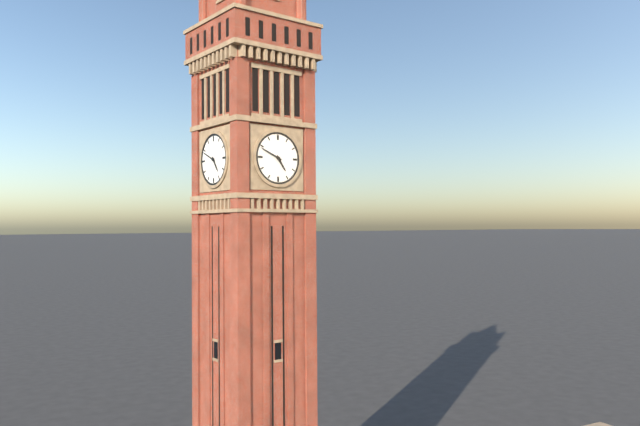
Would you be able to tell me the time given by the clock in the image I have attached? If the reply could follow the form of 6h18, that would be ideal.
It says 4h49
